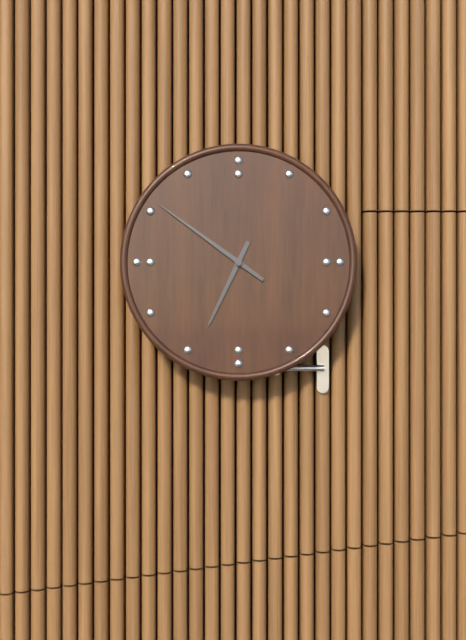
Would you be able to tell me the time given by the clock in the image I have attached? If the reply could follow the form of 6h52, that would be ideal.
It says 6h51
